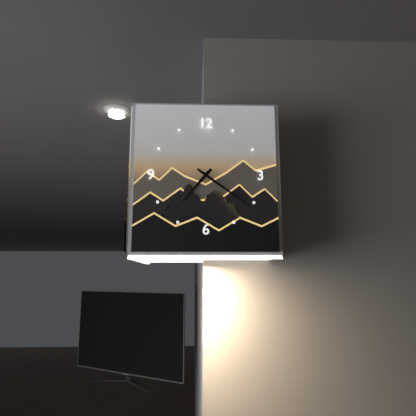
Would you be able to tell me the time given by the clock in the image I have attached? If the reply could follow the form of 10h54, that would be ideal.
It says 7h21
